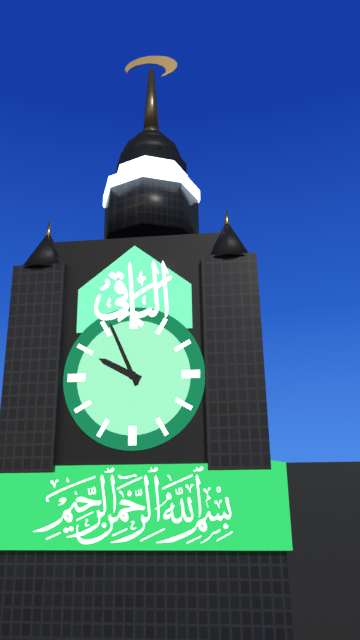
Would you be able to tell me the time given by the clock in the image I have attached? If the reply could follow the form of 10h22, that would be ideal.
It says 9h56
